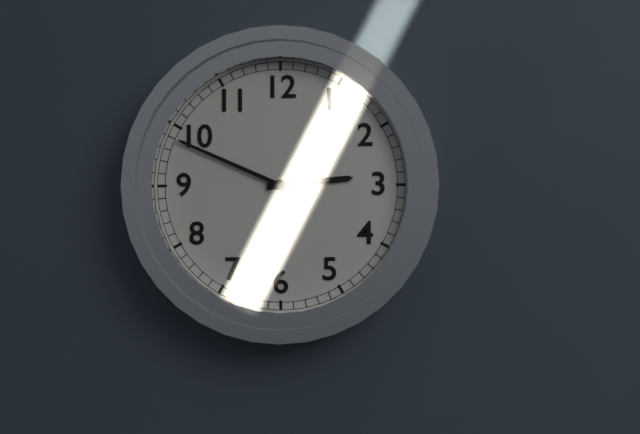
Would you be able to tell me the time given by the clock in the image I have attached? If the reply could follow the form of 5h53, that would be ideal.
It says 2h49
